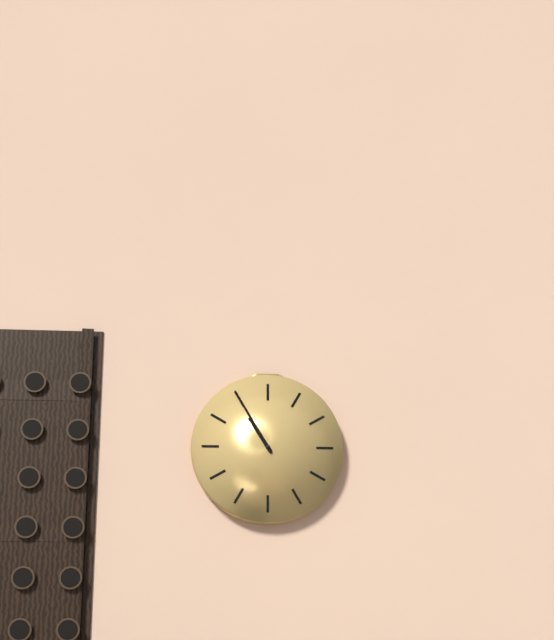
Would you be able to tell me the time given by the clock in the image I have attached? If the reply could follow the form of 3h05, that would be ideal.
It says 10h55
